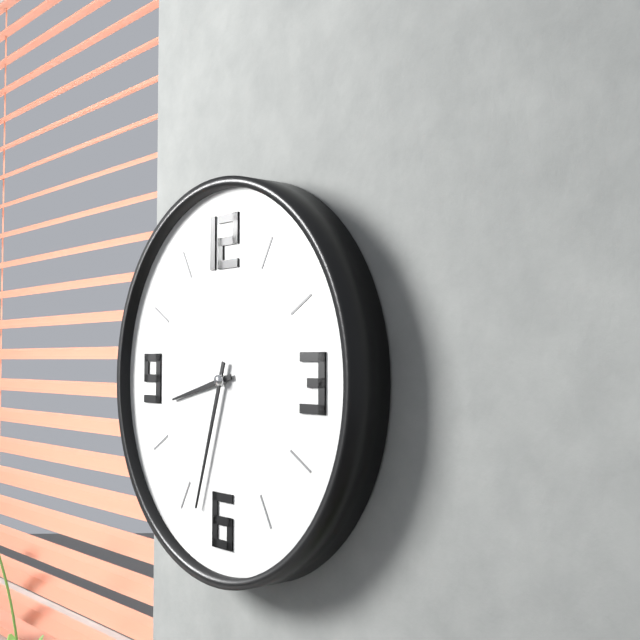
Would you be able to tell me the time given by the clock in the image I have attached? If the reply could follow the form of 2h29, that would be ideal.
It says 8h33
